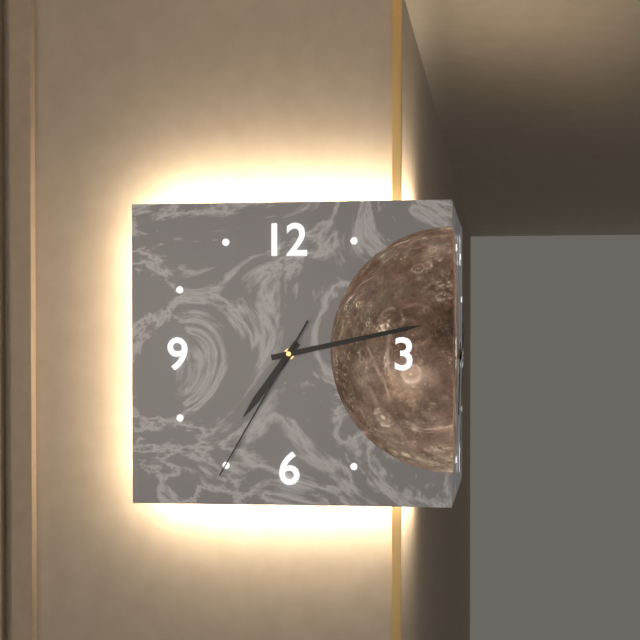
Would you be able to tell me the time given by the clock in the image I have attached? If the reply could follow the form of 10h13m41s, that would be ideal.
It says 7h13m35s
